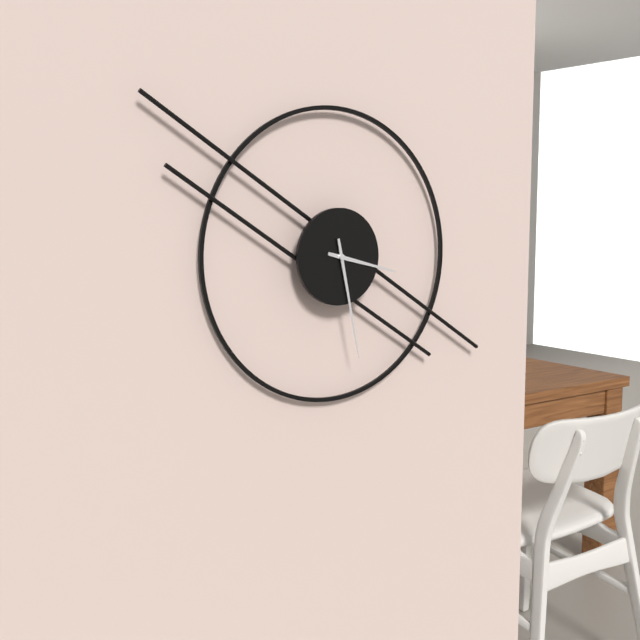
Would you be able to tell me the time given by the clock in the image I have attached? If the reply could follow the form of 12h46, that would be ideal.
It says 3h28
